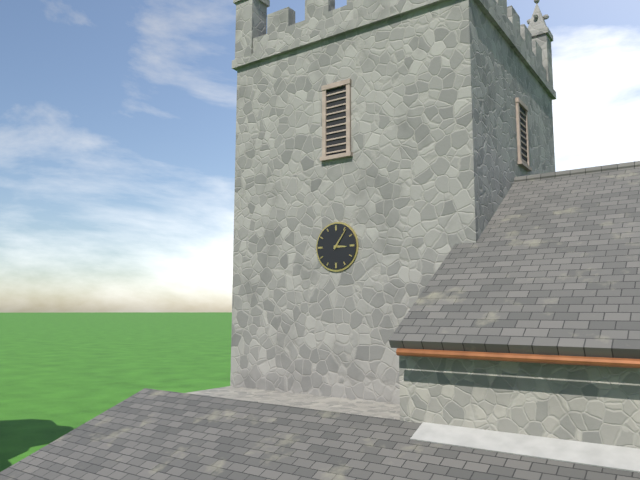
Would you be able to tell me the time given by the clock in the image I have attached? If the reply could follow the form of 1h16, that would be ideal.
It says 3h06
